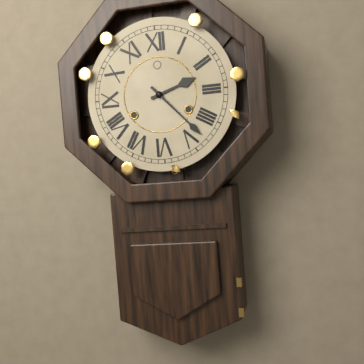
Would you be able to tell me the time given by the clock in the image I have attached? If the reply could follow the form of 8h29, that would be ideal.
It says 2h23
